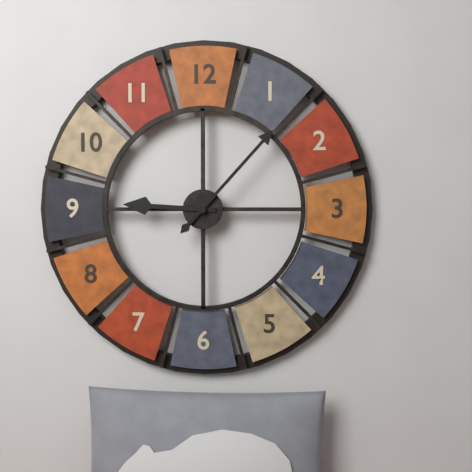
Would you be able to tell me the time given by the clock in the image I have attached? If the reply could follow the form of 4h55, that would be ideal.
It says 9h07
